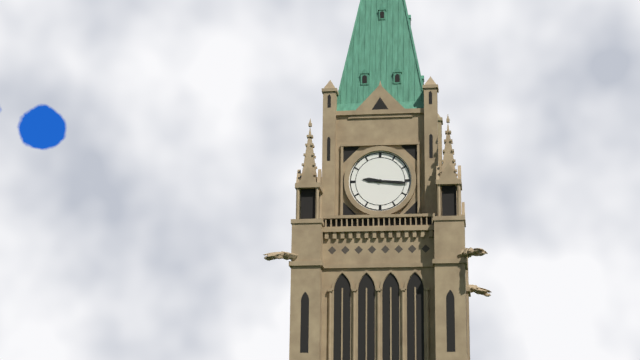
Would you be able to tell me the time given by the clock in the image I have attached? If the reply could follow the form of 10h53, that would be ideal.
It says 9h16
